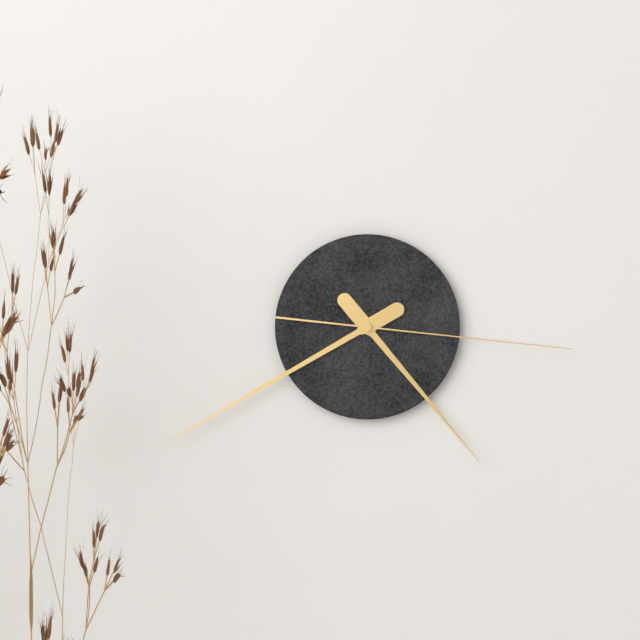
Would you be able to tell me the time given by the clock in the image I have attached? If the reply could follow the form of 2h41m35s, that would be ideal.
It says 4h40m16s
